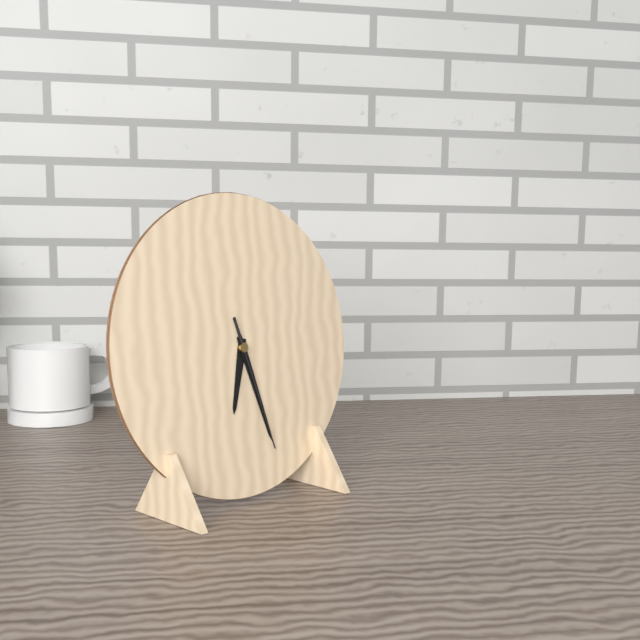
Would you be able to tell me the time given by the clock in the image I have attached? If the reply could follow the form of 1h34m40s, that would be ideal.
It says 6h27m27s
